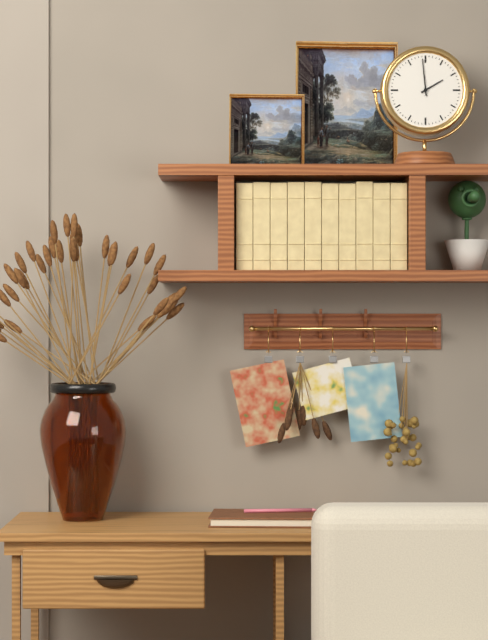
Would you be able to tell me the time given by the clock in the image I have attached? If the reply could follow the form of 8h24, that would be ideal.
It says 1h59
